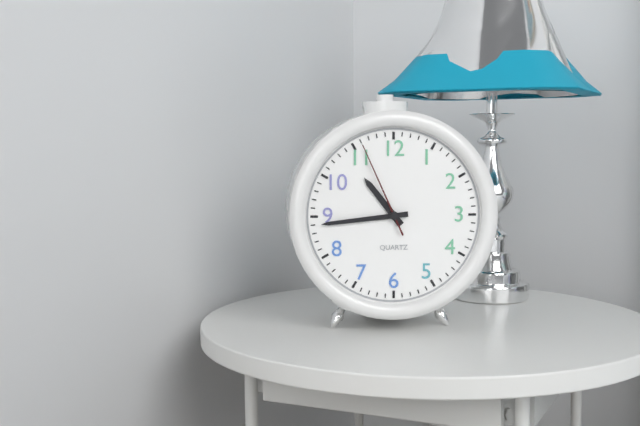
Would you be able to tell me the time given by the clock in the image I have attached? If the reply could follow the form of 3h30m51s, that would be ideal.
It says 10h44m56s
